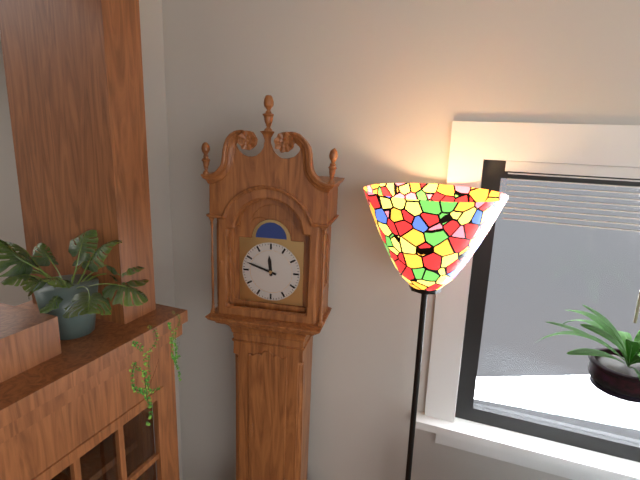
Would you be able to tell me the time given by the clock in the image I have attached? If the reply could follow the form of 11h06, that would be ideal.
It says 11h48
